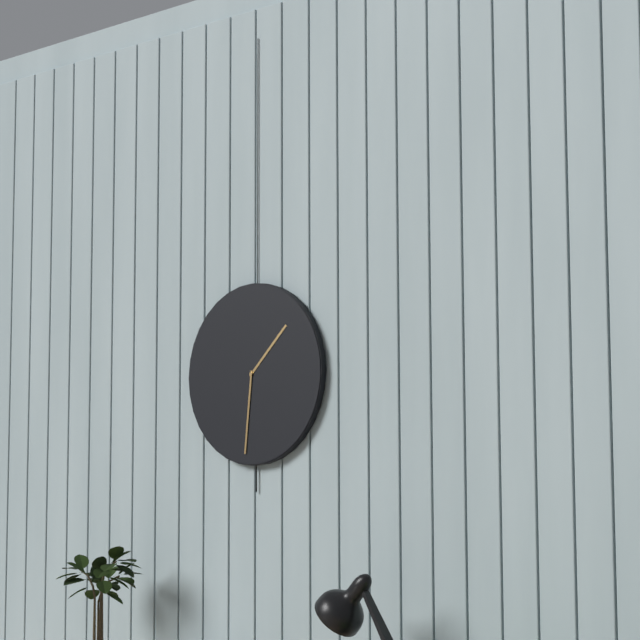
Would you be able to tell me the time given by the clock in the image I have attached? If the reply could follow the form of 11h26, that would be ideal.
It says 1h31
